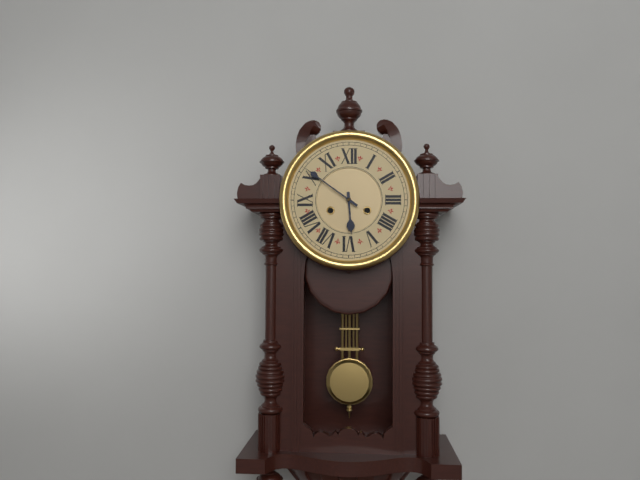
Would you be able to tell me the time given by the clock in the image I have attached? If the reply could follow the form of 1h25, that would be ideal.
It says 5h51
